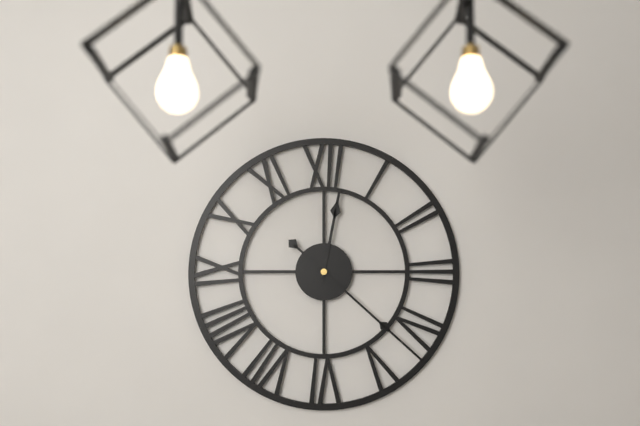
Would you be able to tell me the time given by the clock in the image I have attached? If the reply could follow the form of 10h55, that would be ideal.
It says 12h22
